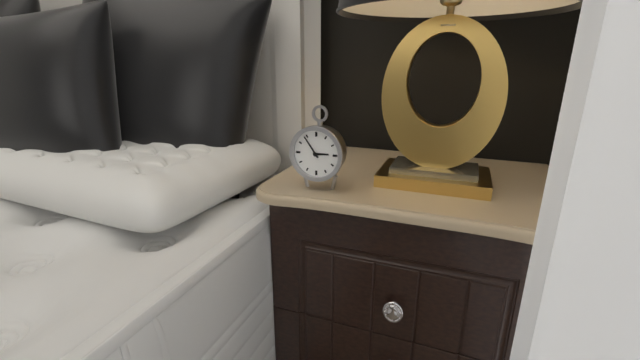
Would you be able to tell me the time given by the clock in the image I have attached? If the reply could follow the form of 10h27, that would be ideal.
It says 2h54
